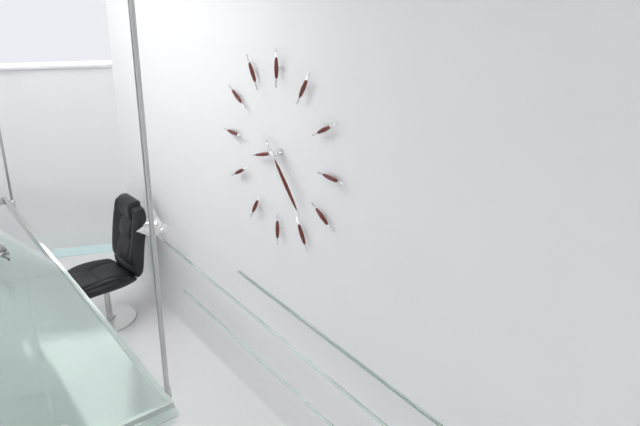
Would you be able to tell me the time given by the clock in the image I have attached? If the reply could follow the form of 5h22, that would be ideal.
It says 8h23
